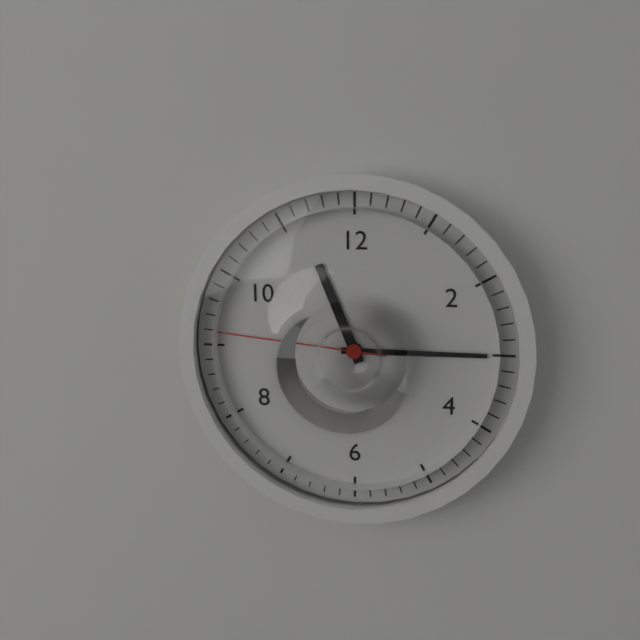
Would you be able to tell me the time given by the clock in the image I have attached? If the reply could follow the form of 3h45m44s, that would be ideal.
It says 11h15m46s
